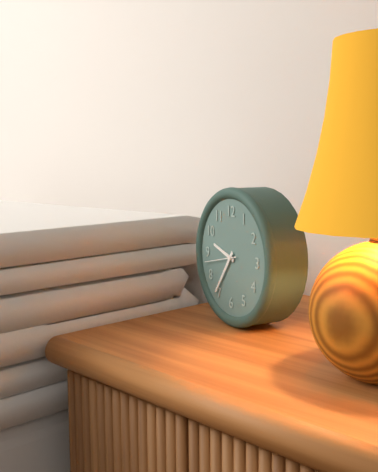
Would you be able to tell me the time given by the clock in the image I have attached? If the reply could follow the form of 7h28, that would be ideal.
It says 9h36
